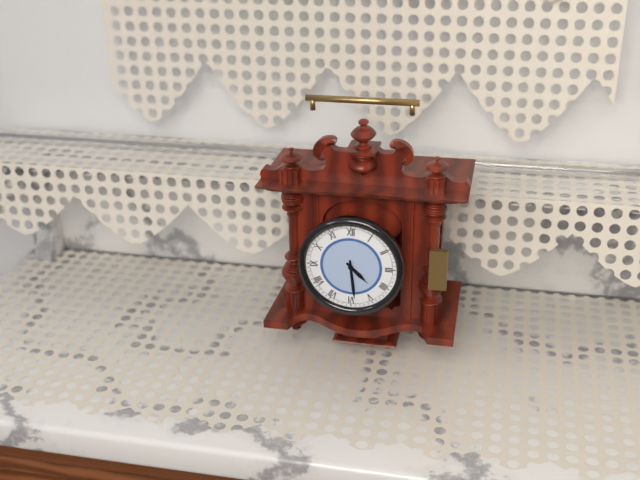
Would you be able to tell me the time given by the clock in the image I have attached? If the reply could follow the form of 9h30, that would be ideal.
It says 4h29
